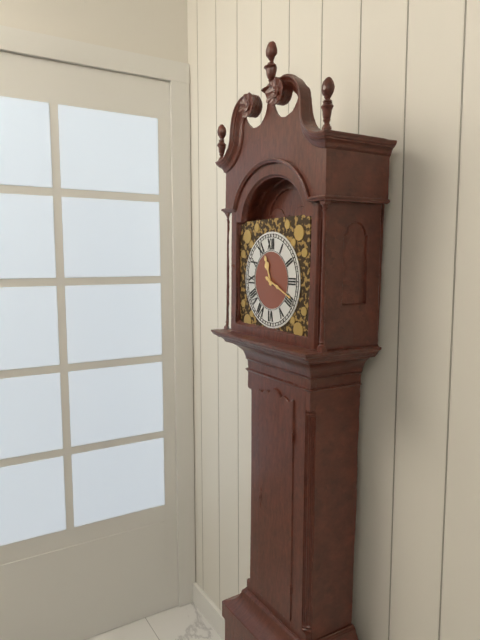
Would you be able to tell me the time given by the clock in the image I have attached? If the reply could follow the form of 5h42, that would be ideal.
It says 11h19
